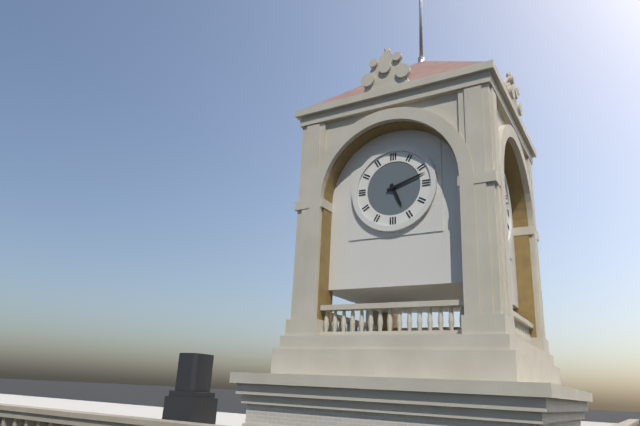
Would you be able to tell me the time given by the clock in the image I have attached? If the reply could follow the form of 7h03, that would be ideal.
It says 5h12
